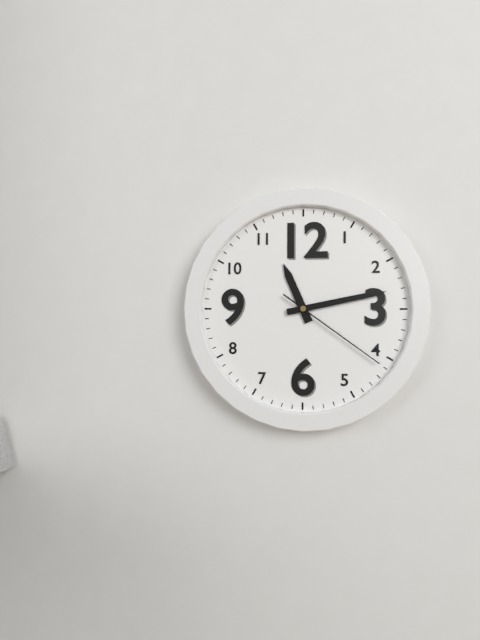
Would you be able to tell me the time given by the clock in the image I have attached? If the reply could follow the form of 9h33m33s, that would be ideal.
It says 11h13m21s
